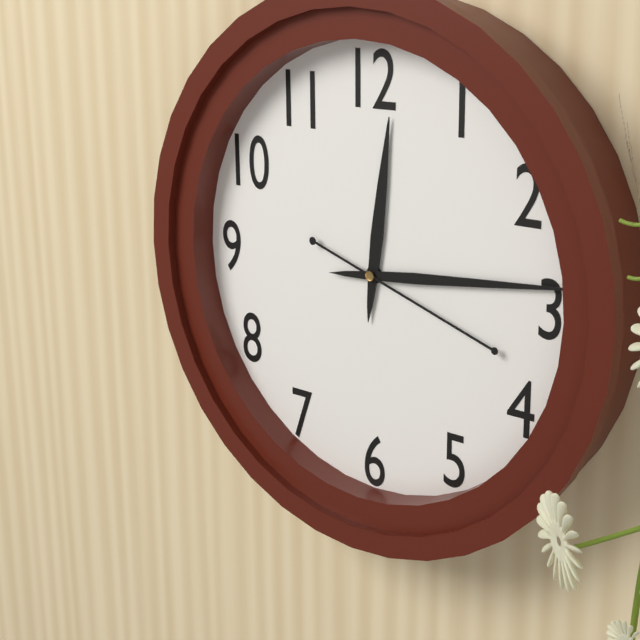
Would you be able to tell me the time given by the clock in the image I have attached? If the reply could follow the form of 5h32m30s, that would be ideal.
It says 12h14m18s
